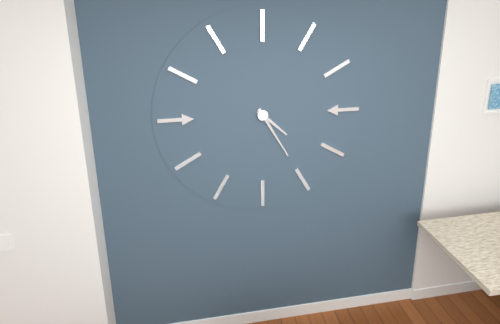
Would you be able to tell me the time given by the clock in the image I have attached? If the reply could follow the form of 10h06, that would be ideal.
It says 4h25
